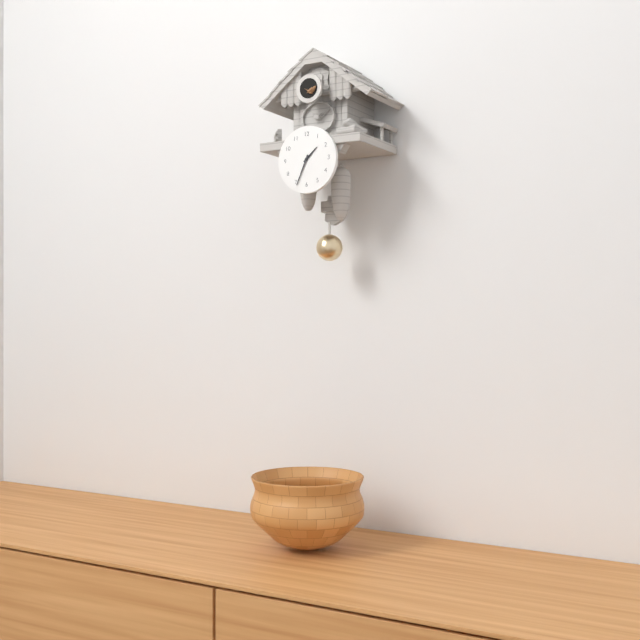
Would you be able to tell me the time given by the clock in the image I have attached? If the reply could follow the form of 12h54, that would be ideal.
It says 1h34
